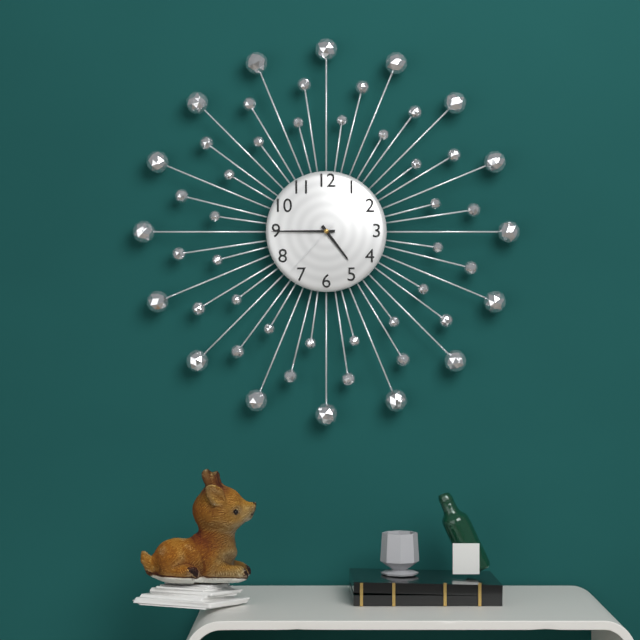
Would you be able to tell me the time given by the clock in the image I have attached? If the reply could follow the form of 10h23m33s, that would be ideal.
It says 4h45m37s
